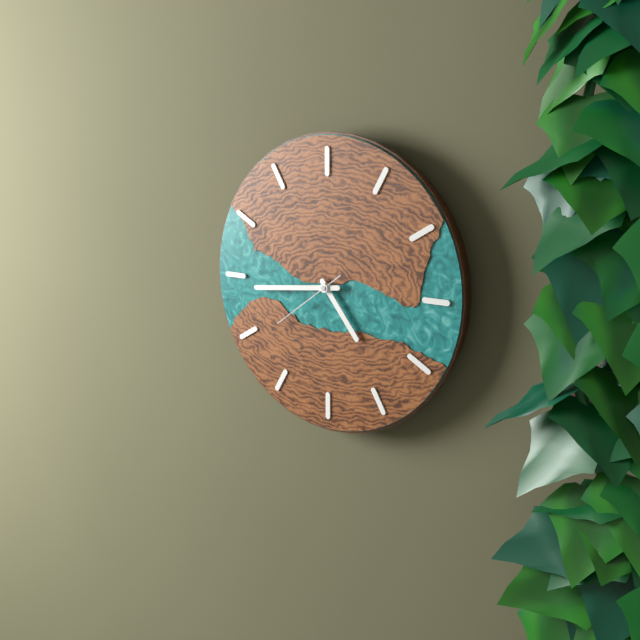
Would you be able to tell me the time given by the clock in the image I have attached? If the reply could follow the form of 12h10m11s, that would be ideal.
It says 4h44m39s
